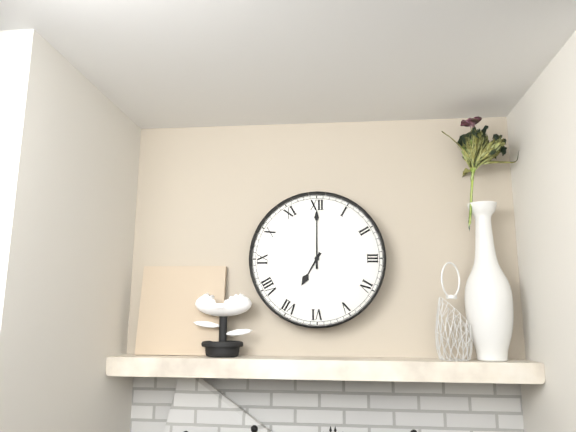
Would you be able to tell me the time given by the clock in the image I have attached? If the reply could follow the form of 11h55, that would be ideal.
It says 7h00
